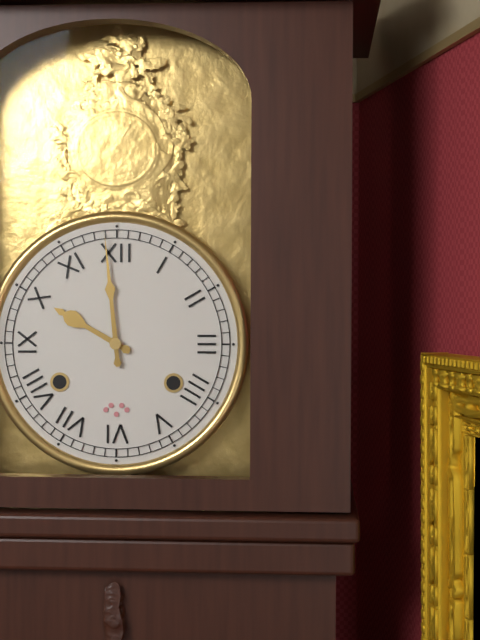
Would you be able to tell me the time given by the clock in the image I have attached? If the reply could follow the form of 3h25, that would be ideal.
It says 9h59
